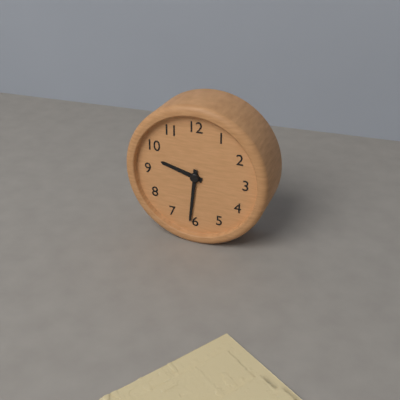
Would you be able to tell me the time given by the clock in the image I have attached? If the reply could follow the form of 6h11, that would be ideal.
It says 9h31
